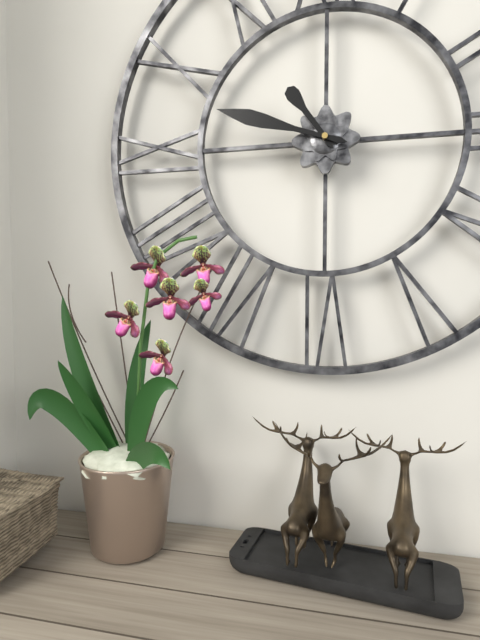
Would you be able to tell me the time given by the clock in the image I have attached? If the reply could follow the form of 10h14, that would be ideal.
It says 10h48
